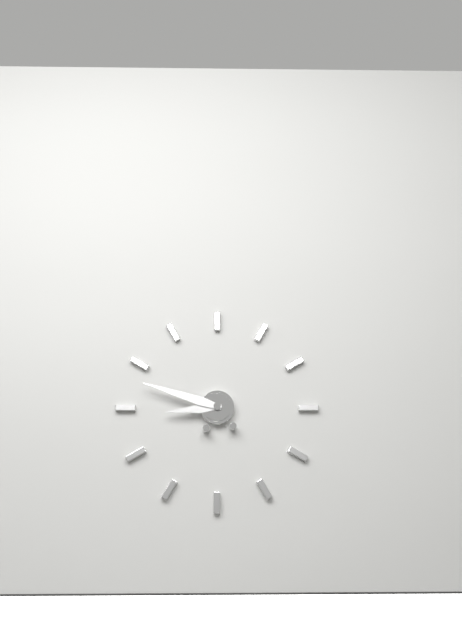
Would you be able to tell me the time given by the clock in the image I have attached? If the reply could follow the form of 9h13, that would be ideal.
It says 8h48
